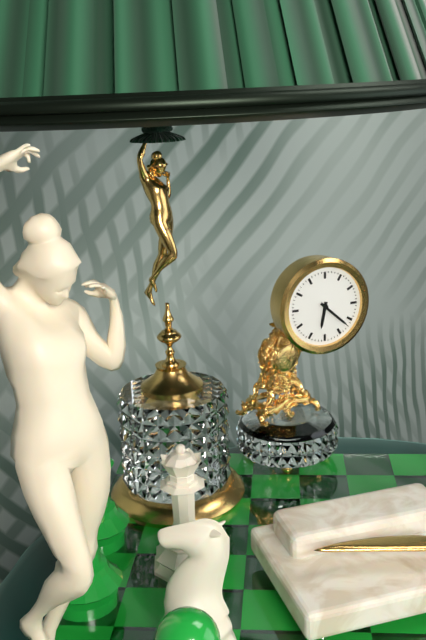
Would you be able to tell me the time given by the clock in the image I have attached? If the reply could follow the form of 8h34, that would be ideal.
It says 6h22
